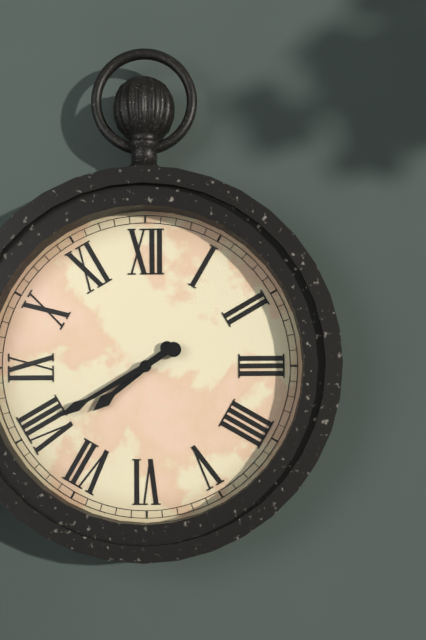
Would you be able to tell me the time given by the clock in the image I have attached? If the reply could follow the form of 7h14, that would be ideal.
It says 7h40
